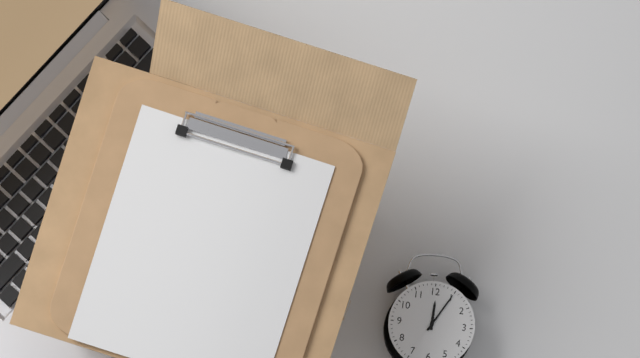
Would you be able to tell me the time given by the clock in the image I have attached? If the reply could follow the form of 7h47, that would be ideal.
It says 12h05
